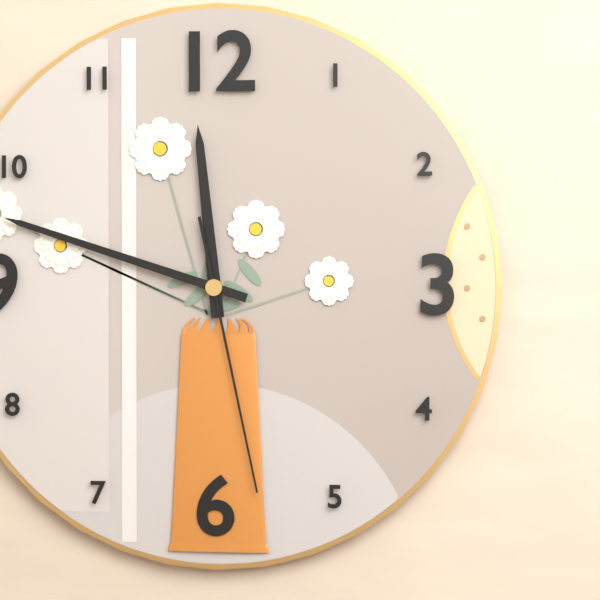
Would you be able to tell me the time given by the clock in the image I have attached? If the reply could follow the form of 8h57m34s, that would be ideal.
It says 11h48m28s
